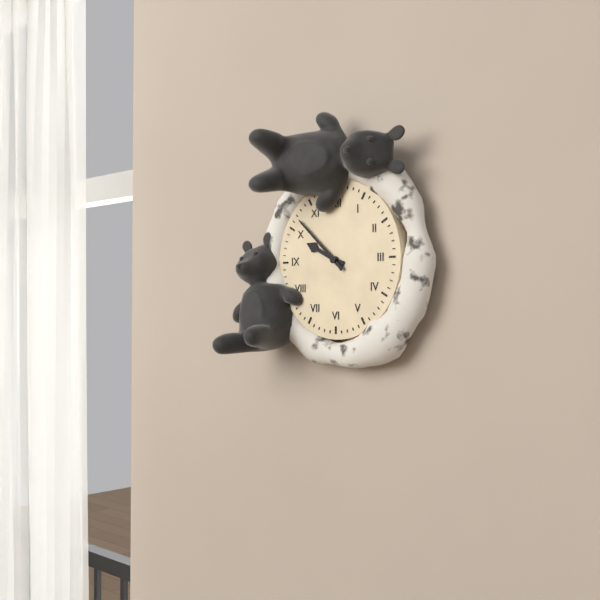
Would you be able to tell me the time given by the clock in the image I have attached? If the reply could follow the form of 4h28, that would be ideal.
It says 9h52
